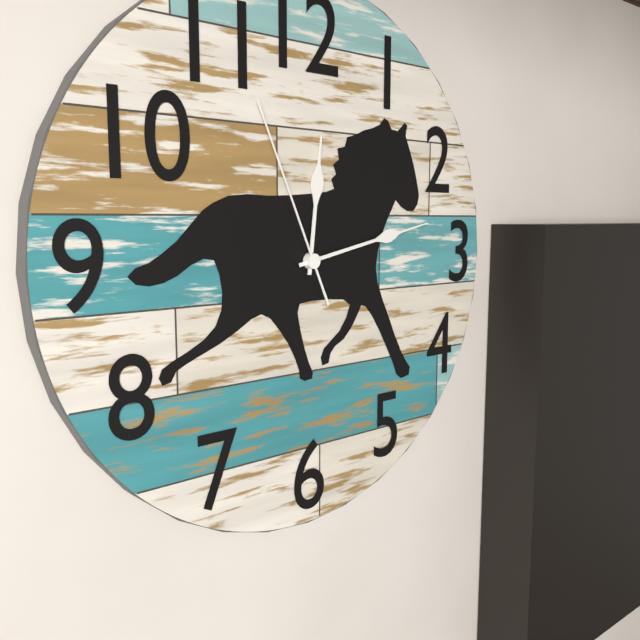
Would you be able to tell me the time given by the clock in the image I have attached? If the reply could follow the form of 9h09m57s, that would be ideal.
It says 12h13m56s
